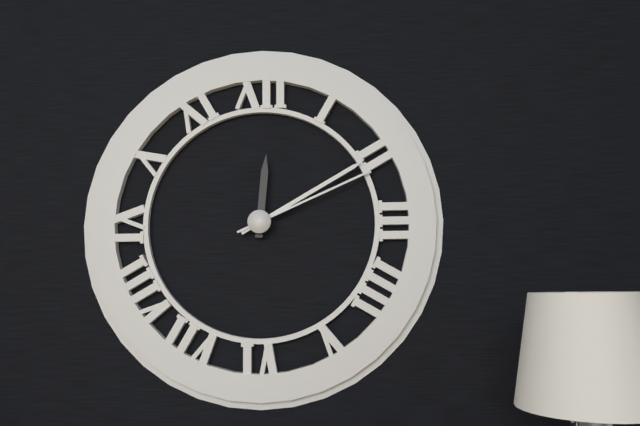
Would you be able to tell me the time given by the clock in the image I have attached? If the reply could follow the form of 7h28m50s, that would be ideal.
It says 12h10m11s
